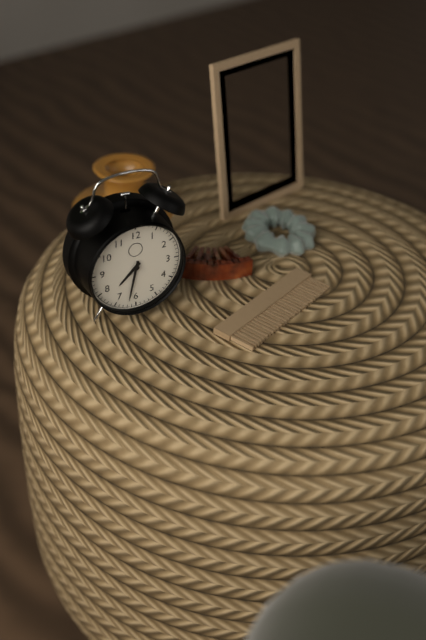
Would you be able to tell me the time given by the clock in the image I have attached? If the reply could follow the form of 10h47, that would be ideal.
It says 7h32
